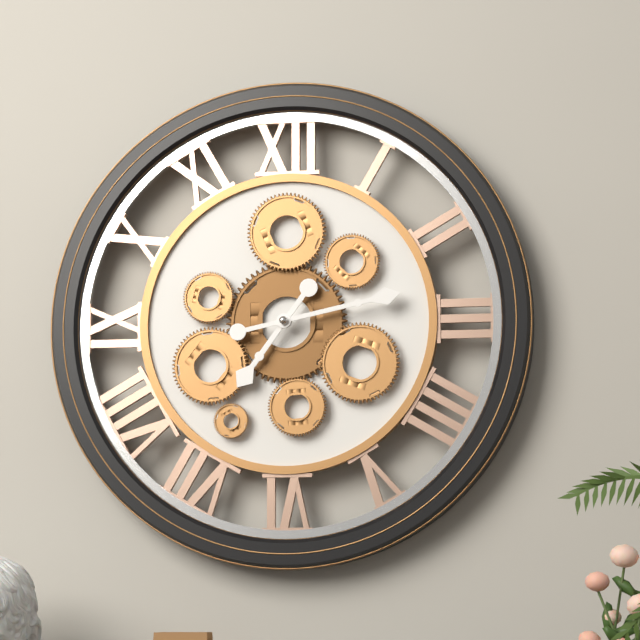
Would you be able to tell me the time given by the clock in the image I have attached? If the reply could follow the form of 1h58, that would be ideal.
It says 7h13
